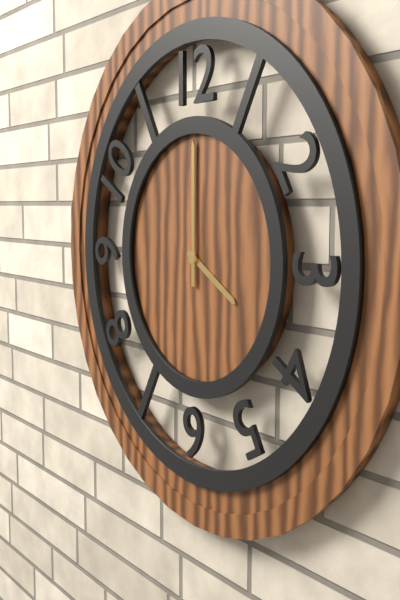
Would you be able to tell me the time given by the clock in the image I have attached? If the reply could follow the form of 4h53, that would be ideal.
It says 4h00
